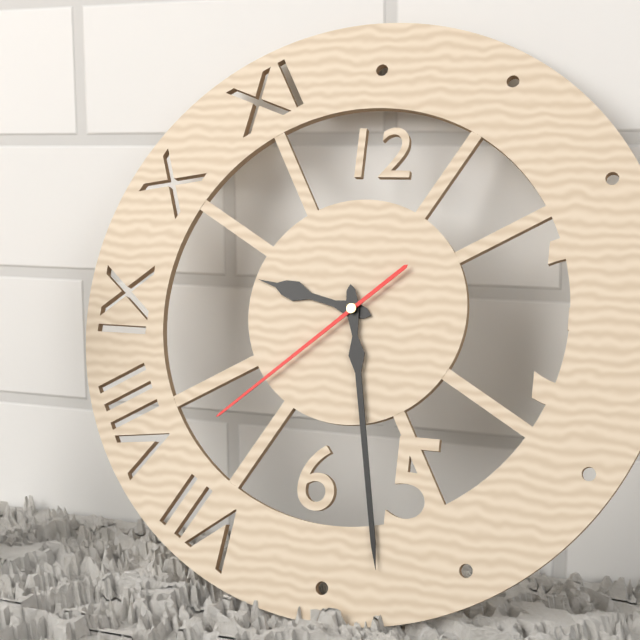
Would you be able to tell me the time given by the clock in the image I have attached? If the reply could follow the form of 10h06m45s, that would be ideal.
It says 9h28m38s
